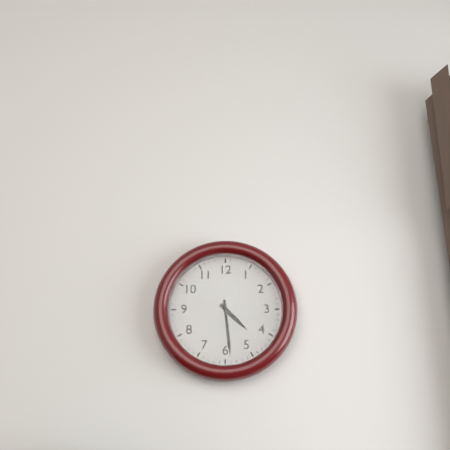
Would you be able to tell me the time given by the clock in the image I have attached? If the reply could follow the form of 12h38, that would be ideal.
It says 4h29
